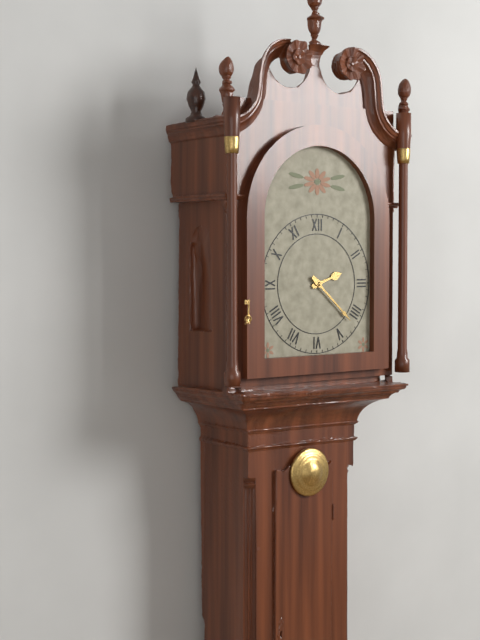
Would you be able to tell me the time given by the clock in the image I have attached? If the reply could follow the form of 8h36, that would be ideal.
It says 2h22
